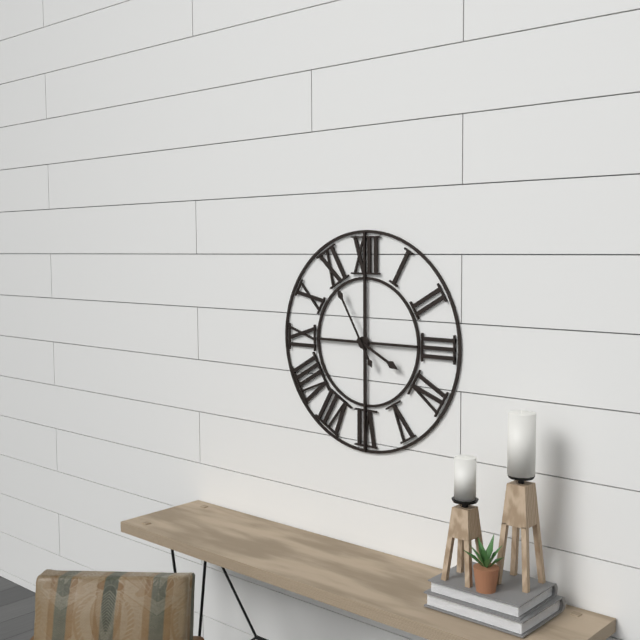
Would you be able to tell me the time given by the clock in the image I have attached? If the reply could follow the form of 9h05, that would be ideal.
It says 3h55
